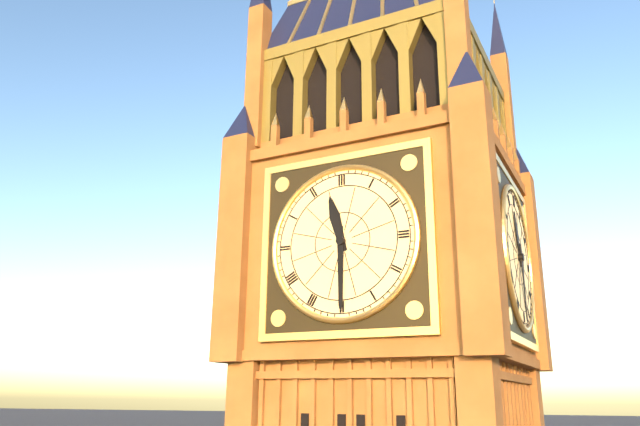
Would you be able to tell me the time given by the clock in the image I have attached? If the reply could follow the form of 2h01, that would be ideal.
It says 11h30
